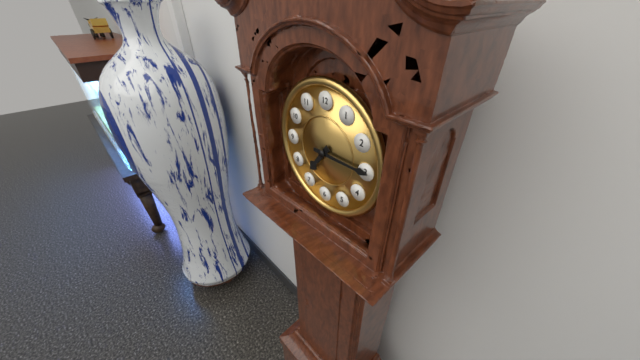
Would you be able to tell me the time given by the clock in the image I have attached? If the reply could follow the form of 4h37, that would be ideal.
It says 7h15
